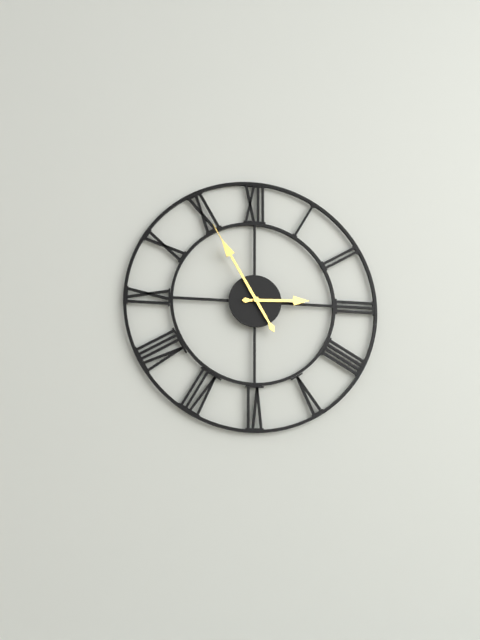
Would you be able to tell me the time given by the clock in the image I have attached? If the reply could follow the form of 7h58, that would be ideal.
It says 2h55
